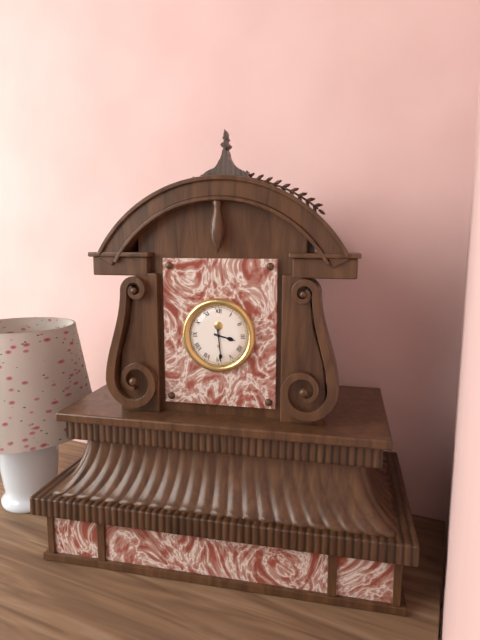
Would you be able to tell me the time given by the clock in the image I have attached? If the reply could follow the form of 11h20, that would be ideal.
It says 3h29
